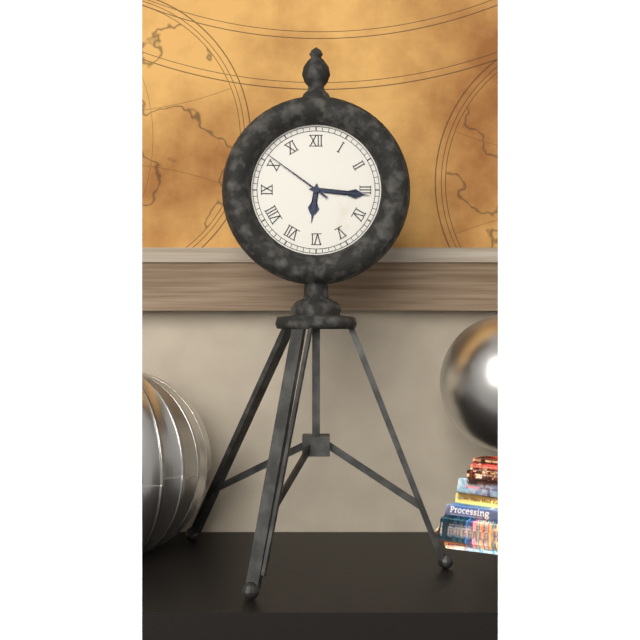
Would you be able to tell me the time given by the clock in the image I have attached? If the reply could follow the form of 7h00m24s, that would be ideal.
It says 6h16m51s
